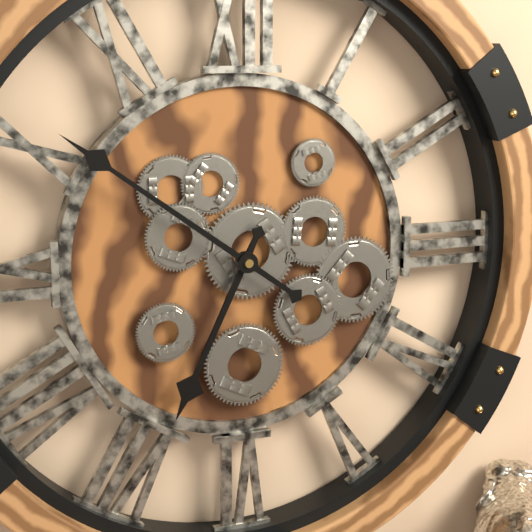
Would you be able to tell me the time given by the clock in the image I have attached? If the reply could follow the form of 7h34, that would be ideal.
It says 6h51
